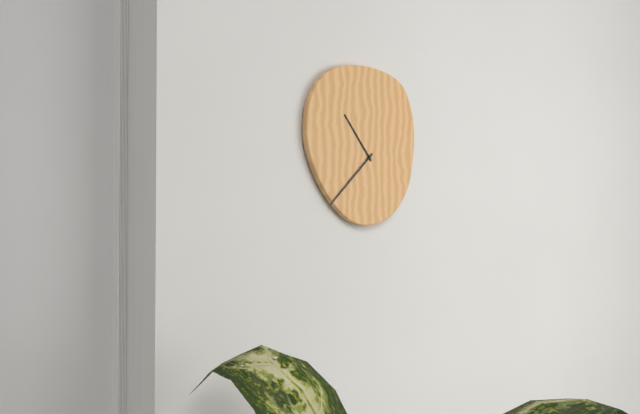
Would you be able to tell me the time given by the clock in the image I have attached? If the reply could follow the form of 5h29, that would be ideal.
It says 10h38
